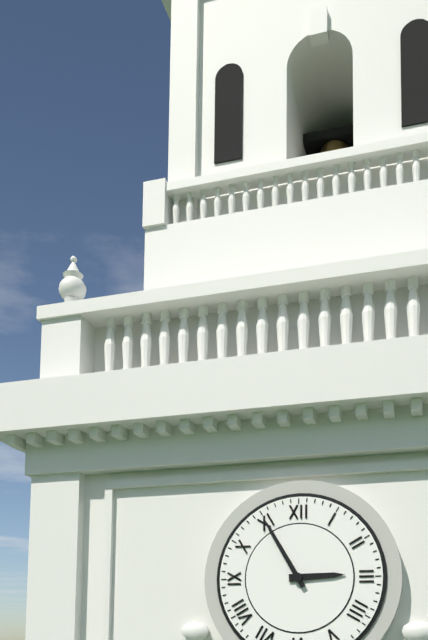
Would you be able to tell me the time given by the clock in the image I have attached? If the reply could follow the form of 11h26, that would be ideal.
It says 2h55
